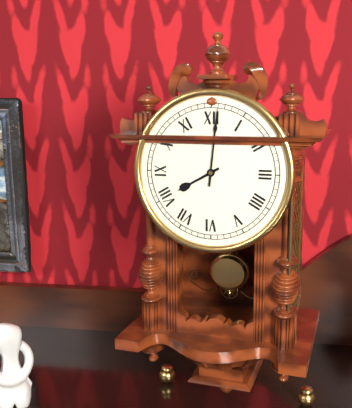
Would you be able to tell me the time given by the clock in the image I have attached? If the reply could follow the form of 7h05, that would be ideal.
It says 8h01
